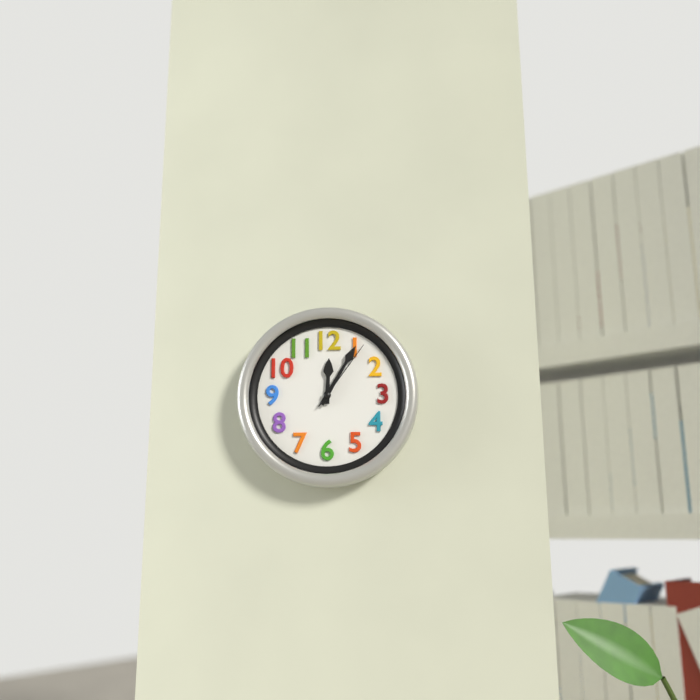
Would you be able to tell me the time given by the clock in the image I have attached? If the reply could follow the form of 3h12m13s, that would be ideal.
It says 12h05m06s
